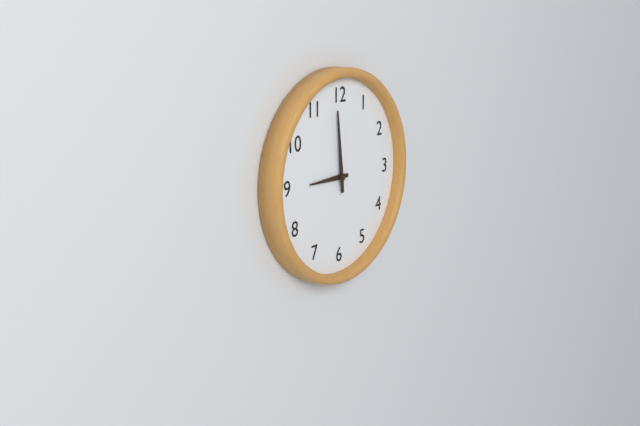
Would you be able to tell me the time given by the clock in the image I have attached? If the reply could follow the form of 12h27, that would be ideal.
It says 8h59
